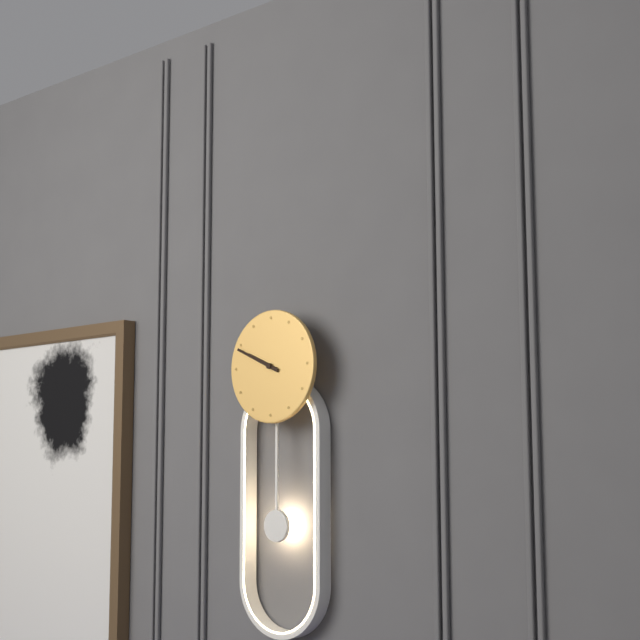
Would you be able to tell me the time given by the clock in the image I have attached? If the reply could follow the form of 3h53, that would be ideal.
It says 9h49
